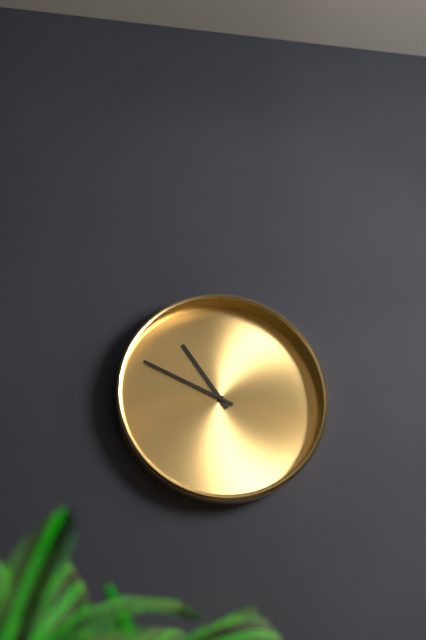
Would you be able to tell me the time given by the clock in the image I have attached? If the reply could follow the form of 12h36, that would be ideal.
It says 10h49
